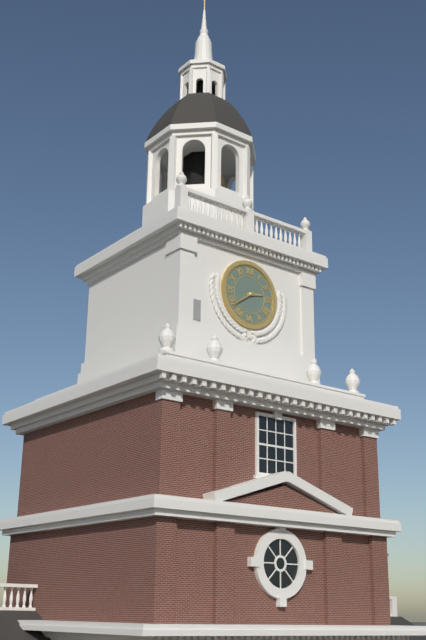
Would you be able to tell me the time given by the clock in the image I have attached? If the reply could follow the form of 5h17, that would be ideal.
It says 2h39
